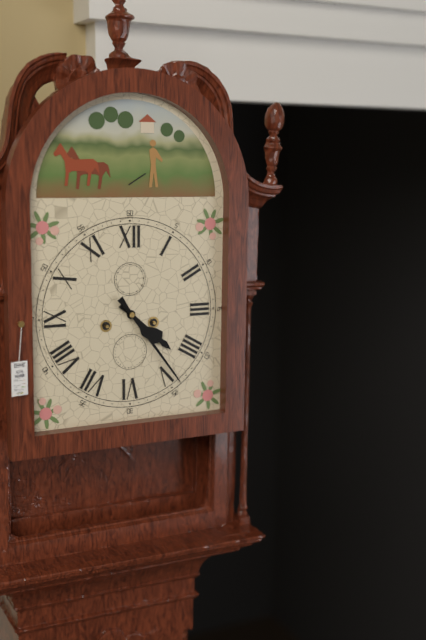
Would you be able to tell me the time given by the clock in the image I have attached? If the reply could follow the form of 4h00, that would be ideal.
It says 4h24
